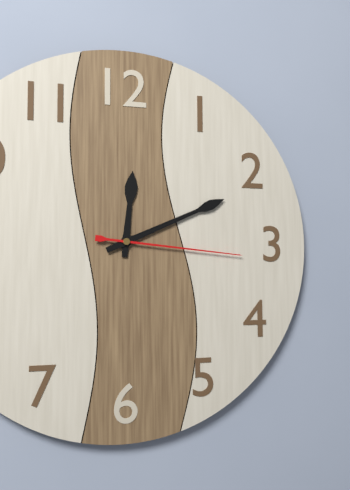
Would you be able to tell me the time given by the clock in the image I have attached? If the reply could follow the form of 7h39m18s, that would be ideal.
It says 12h11m16s
